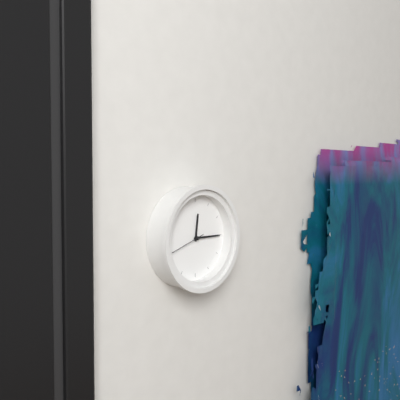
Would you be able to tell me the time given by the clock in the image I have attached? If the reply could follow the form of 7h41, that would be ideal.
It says 12h15
